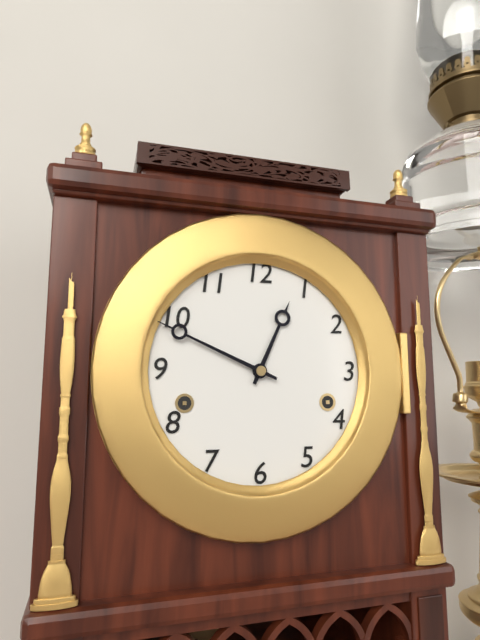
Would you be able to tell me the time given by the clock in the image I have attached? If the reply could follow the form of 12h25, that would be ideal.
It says 12h49
